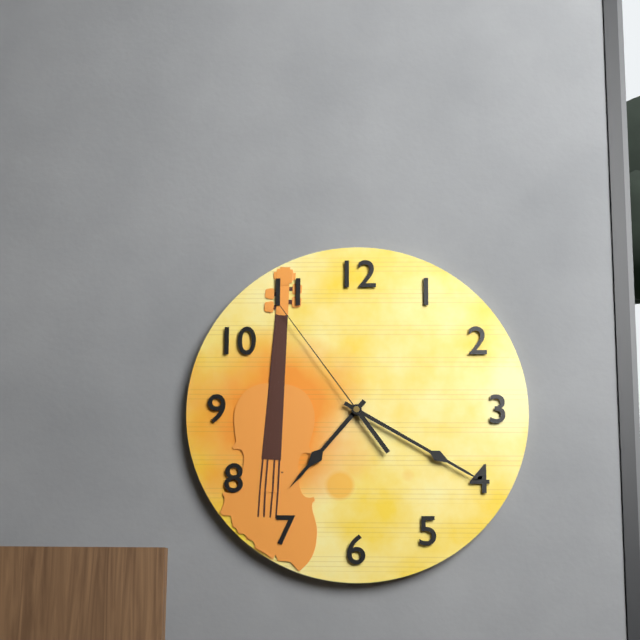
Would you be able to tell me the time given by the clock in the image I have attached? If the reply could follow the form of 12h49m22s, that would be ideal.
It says 7h20m54s
